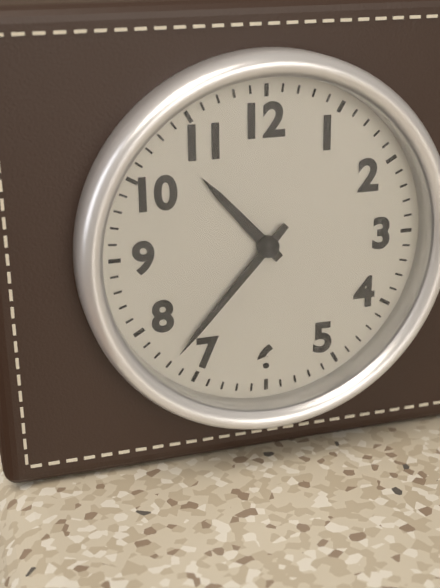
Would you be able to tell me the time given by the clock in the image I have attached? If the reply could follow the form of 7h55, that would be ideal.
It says 10h37
